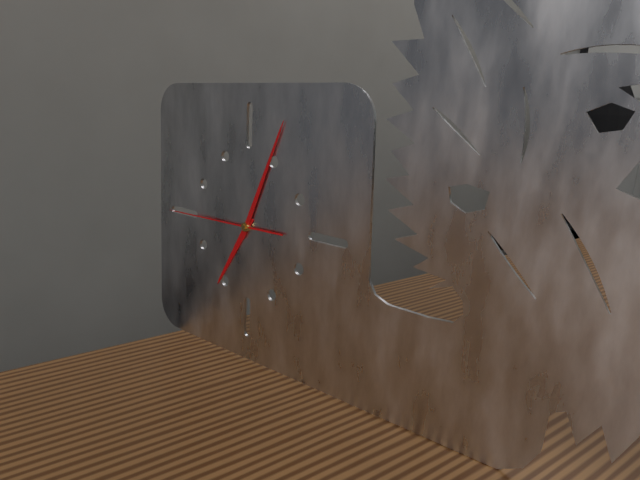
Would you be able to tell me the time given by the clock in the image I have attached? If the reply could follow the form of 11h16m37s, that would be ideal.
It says 7h04m45s
